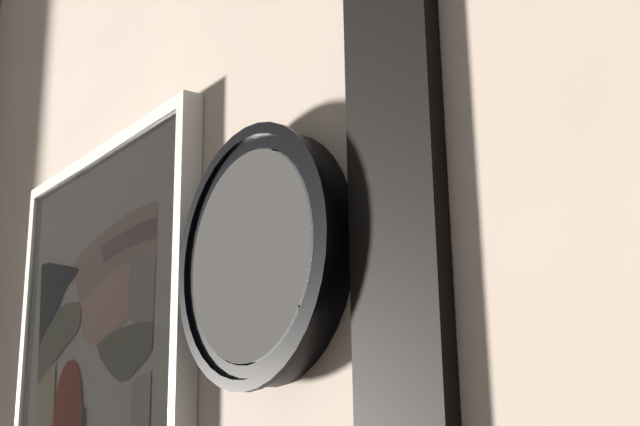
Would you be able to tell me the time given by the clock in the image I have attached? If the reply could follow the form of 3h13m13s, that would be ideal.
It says 8h22m56s
